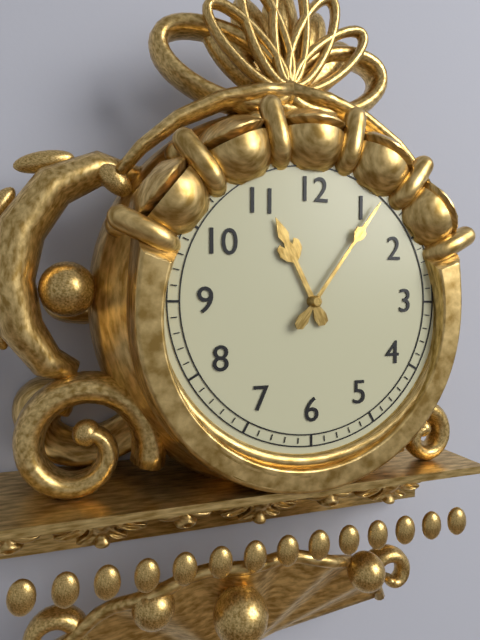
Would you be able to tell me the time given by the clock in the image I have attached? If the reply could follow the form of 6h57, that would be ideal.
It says 11h06
